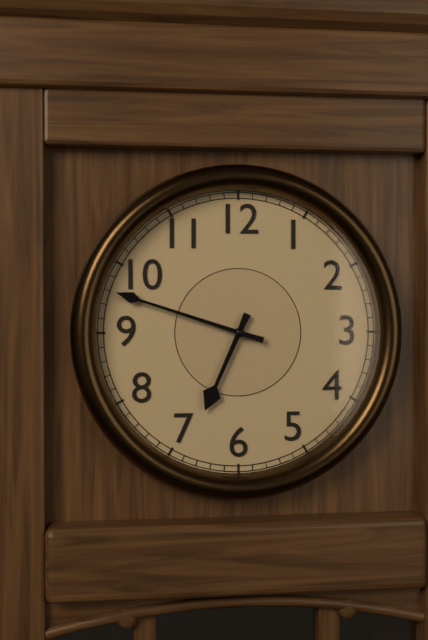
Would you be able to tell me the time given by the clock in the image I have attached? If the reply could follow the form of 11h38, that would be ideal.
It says 6h48
